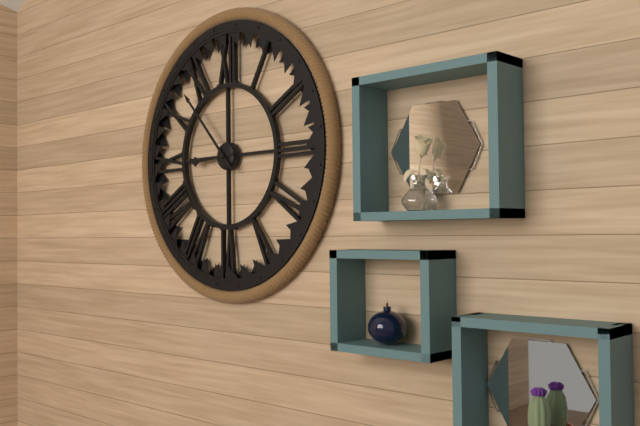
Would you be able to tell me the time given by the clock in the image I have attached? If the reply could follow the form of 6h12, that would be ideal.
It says 8h53
